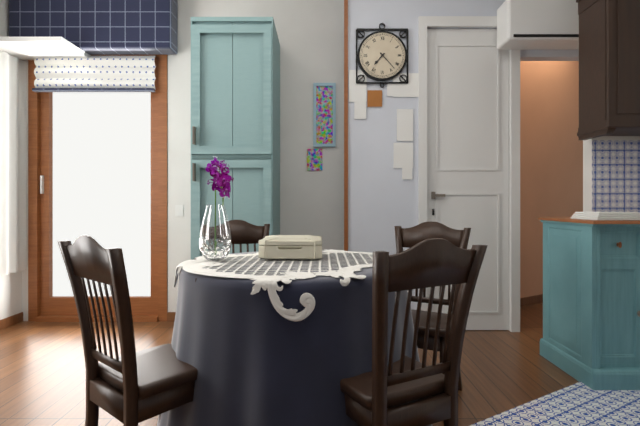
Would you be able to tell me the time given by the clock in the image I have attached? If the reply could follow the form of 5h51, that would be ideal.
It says 7h23
